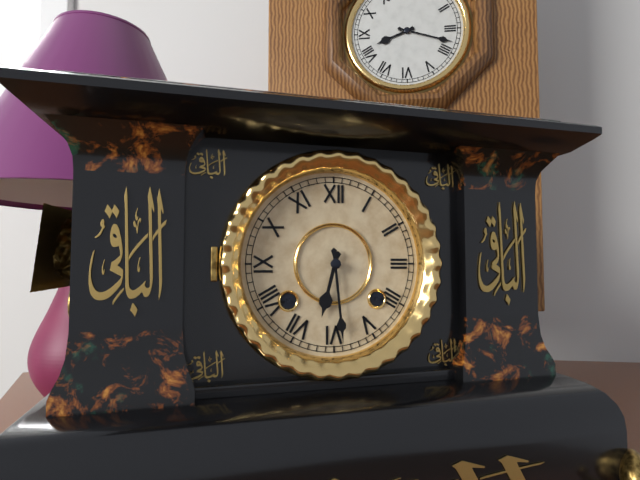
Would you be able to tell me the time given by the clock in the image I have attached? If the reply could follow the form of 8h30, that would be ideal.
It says 6h29
